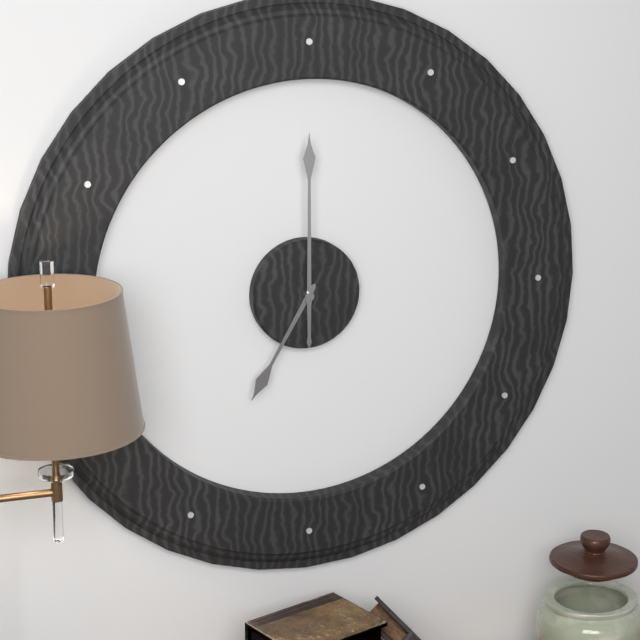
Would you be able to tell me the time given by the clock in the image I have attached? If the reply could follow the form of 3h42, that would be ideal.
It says 7h00
